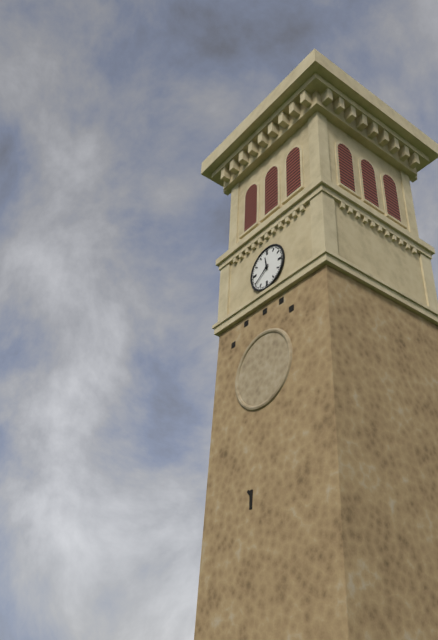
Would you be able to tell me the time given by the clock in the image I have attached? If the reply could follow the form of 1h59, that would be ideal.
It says 11h39
